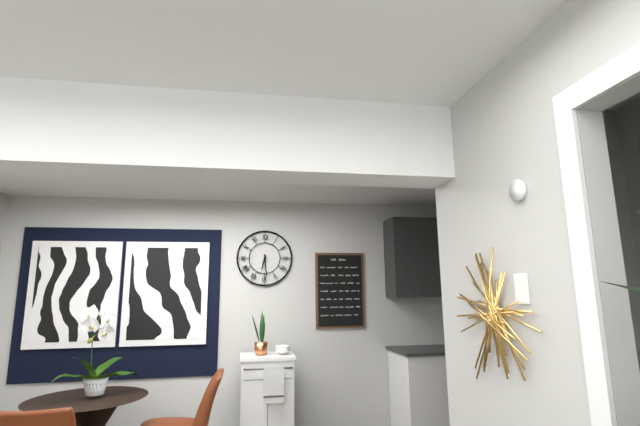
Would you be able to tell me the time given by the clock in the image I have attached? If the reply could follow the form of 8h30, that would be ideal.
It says 6h29
